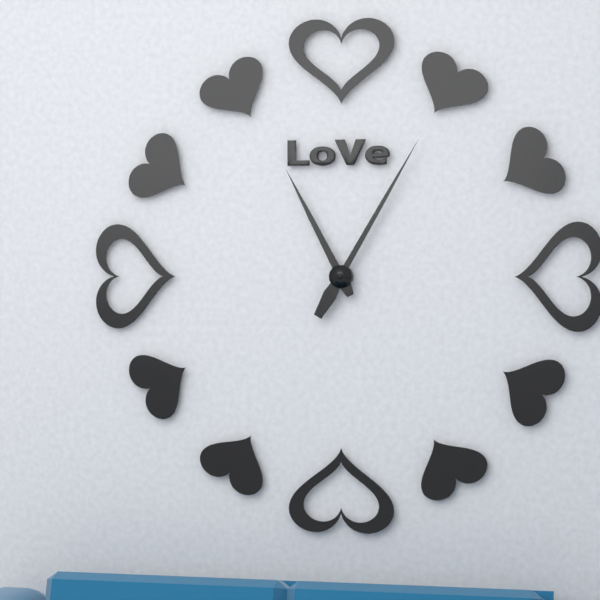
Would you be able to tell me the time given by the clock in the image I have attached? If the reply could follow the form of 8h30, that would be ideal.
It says 11h05
